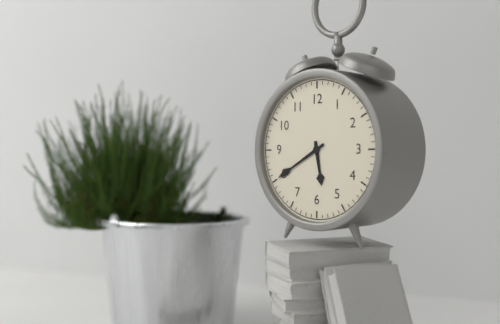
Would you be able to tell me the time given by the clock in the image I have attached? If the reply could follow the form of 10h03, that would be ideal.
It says 5h40
